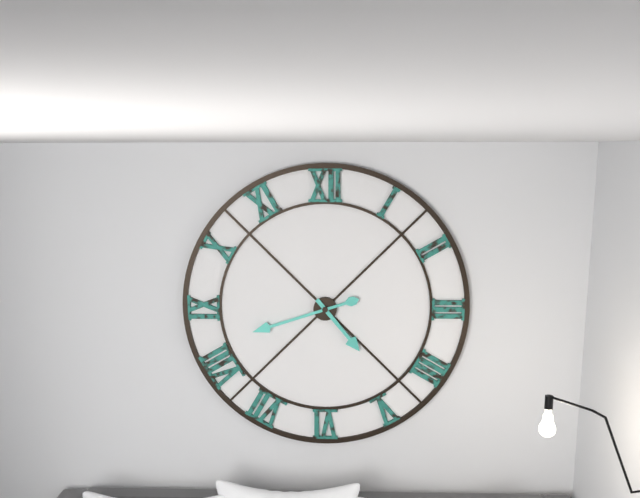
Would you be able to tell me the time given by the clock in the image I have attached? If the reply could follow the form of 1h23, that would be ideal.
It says 4h42
